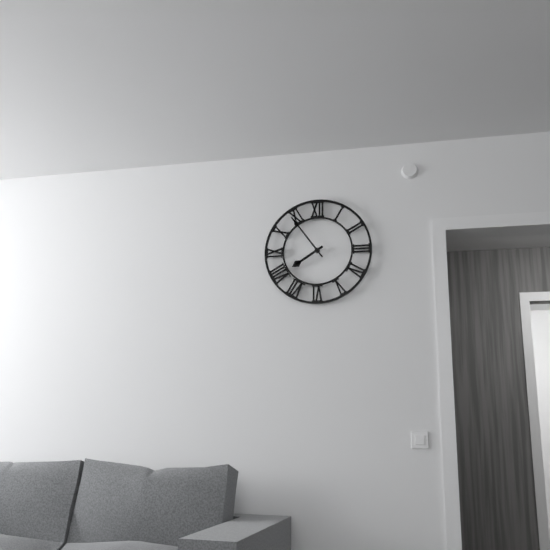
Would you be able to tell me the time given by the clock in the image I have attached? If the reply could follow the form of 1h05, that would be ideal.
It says 7h54
